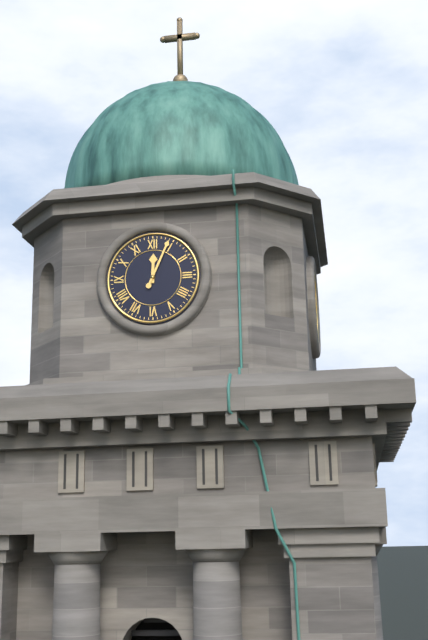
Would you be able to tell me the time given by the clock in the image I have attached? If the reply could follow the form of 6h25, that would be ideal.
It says 12h04
